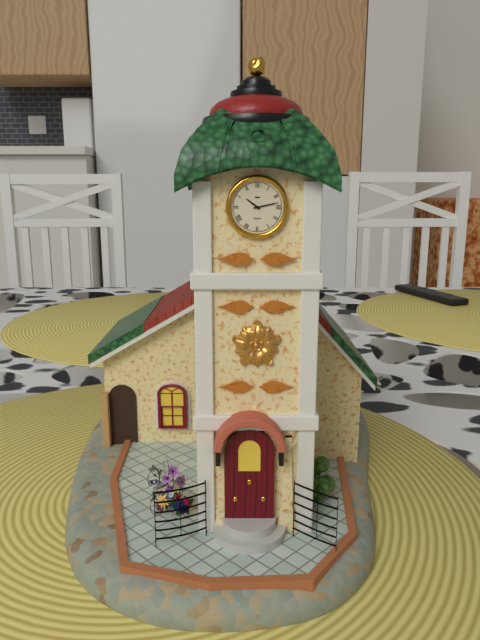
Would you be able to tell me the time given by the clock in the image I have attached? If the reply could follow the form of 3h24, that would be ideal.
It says 10h13
